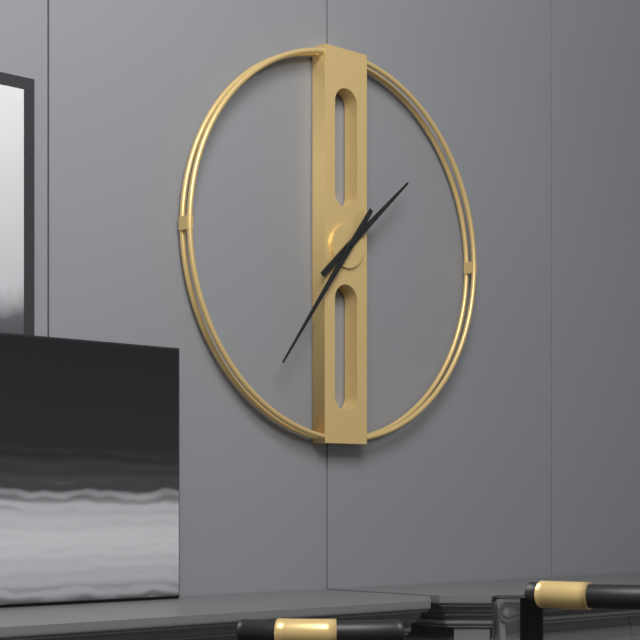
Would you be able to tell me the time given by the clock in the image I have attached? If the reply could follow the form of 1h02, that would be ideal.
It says 1h36
